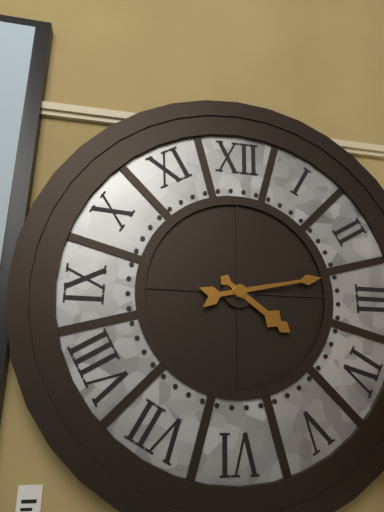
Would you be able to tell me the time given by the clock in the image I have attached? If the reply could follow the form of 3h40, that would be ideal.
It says 4h13
